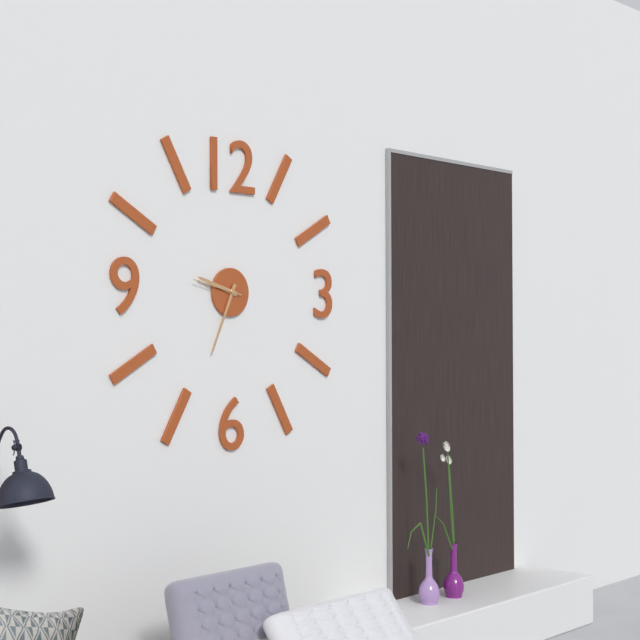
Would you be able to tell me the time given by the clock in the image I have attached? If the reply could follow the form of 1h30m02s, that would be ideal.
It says 9h34m47s
